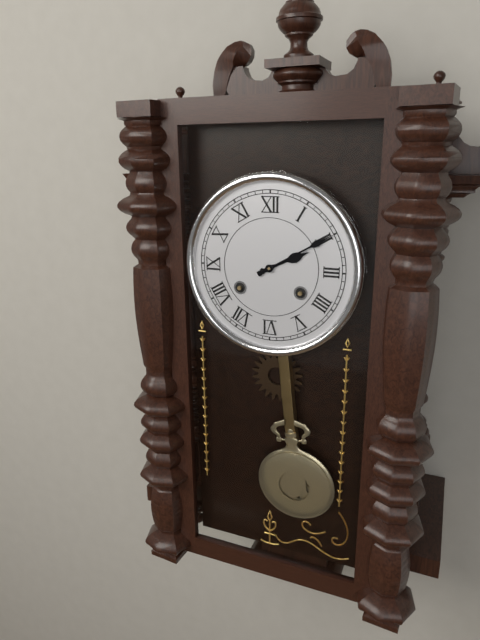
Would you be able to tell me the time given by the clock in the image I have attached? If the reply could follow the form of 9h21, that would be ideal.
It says 2h10
